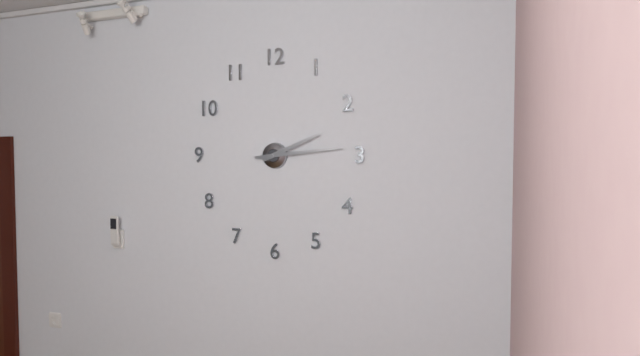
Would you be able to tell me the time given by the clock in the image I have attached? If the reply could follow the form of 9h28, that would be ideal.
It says 2h14
